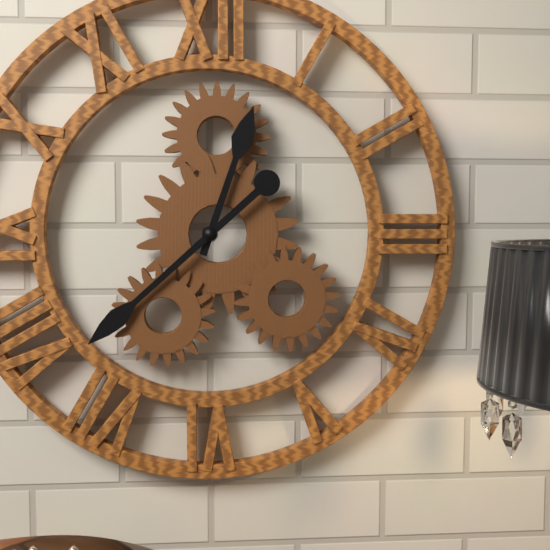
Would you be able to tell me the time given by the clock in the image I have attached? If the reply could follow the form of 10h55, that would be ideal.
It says 12h38
